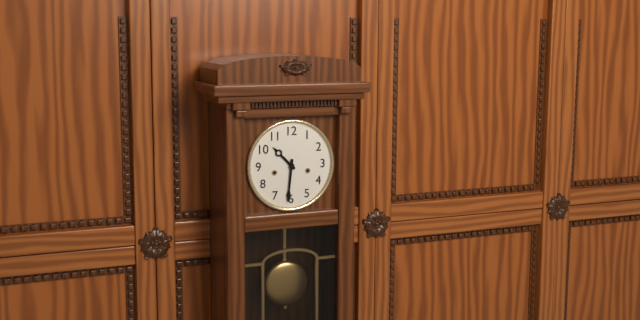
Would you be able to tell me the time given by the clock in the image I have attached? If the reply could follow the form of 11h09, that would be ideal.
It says 10h31
